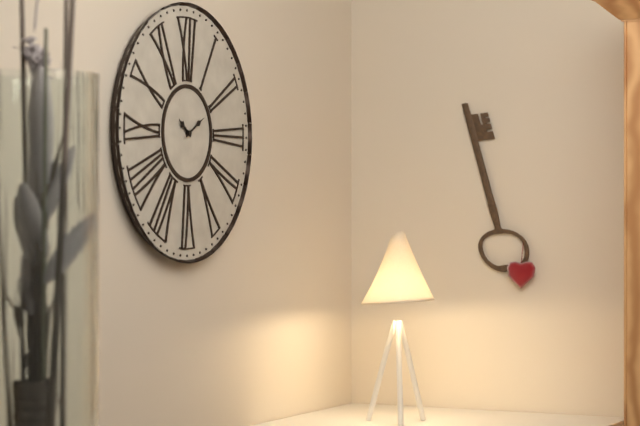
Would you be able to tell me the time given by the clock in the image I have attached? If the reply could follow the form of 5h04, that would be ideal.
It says 10h10
